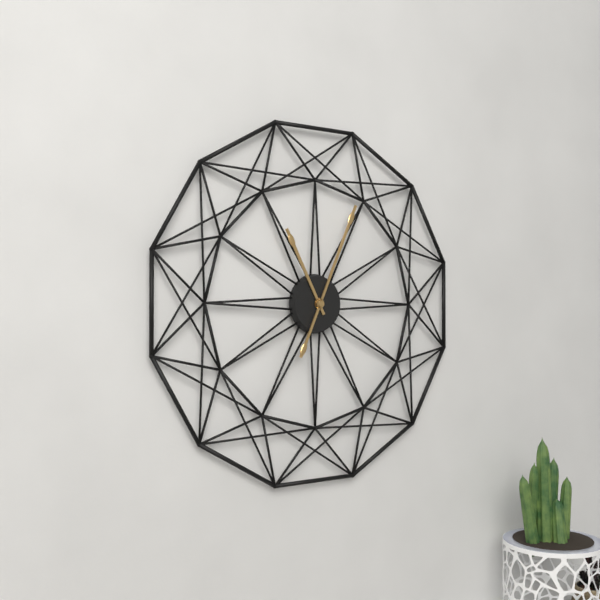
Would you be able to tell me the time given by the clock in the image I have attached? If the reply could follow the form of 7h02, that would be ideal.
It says 11h04
